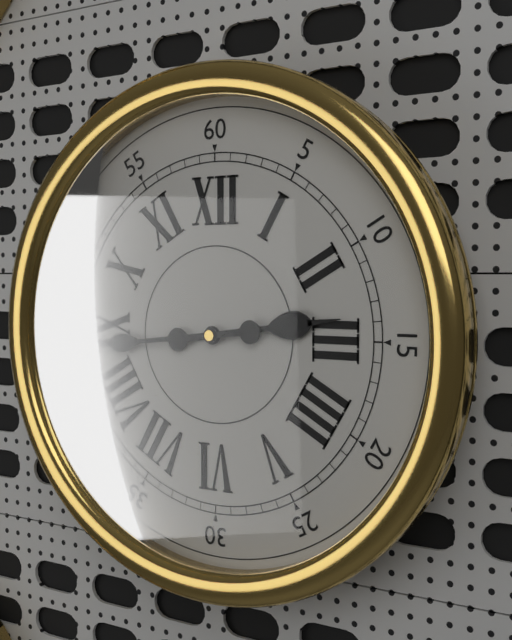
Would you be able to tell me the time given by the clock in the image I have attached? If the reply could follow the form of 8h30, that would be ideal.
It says 2h44
